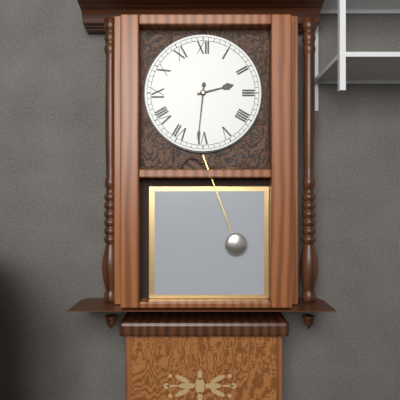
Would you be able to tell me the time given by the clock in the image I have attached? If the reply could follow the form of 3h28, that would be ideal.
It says 2h31
